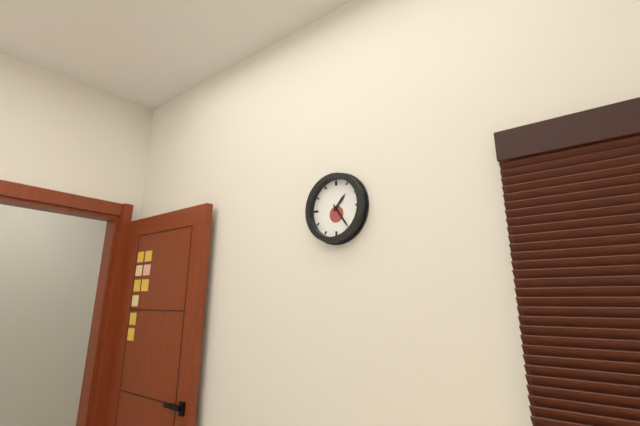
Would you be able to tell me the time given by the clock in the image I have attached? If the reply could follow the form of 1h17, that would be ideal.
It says 1h24
